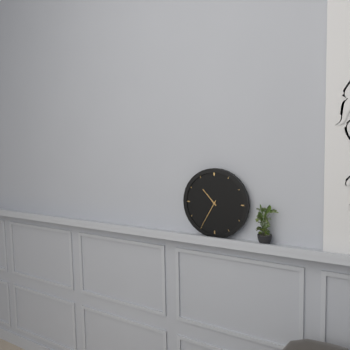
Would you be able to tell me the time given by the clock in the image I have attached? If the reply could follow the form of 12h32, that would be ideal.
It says 10h35
